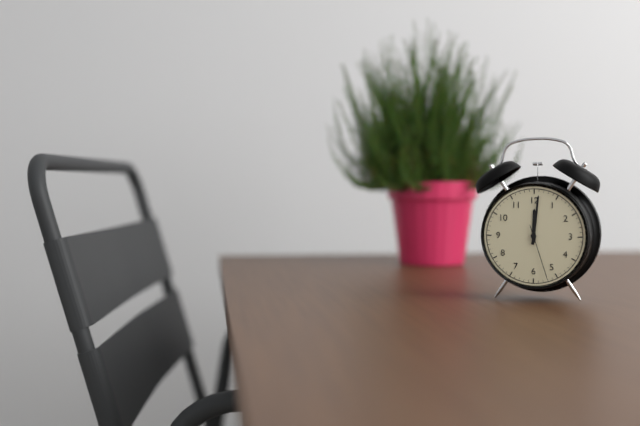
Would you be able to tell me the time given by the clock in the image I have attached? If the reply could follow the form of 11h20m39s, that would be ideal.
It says 12h01m27s
